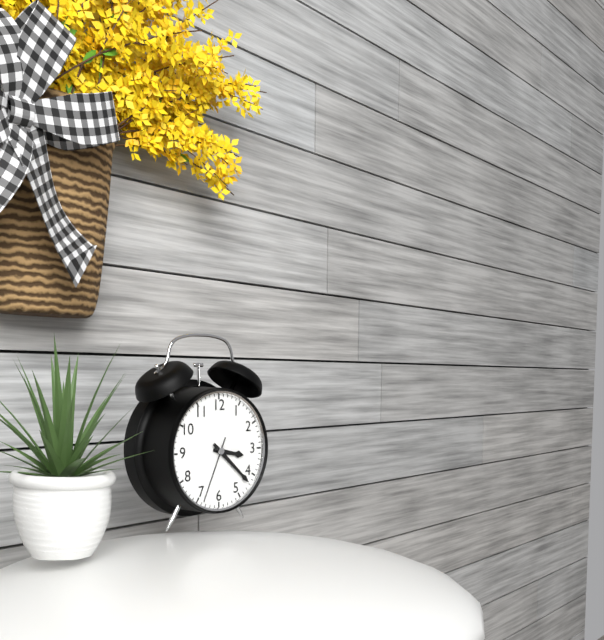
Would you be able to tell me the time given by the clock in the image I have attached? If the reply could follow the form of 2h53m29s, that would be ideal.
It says 3h22m34s
